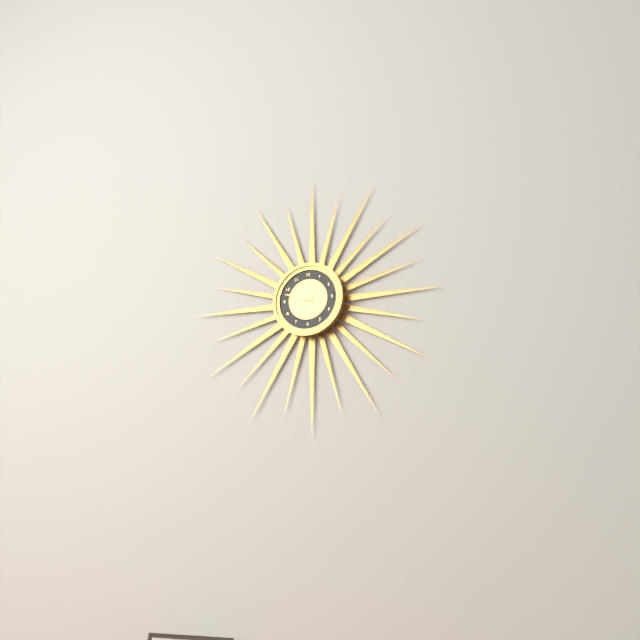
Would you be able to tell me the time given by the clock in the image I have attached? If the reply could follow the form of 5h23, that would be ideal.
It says 9h48
